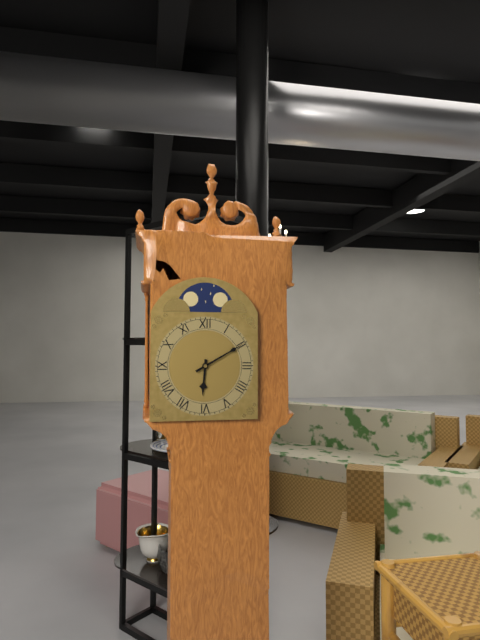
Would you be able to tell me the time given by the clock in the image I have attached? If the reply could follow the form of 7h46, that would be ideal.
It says 6h10
